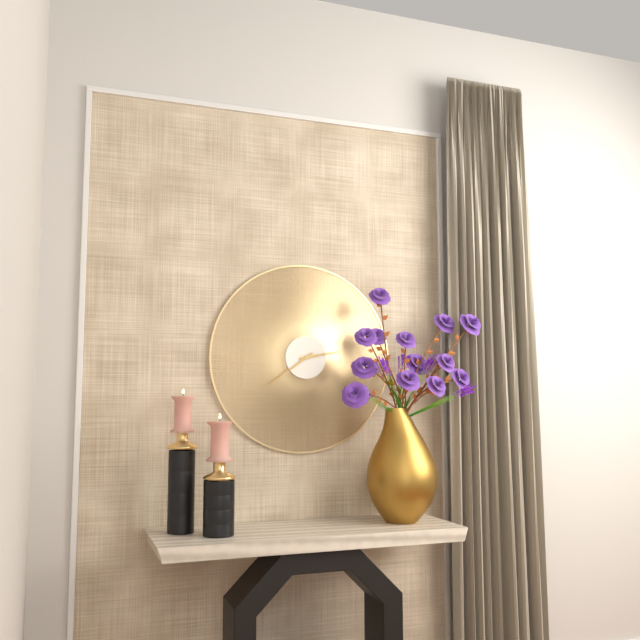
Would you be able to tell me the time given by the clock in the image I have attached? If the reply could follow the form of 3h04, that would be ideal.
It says 2h39
